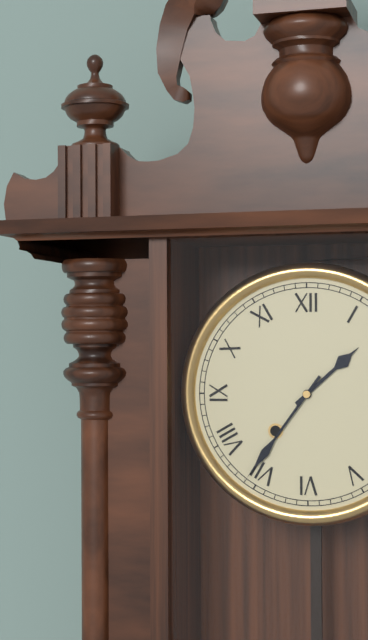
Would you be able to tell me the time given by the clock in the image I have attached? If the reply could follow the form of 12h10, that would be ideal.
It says 1h36
